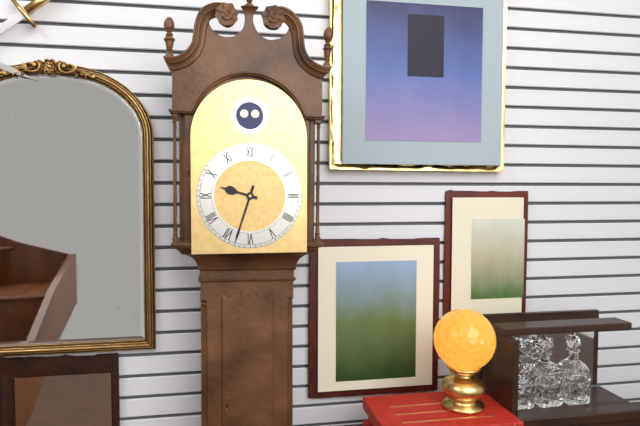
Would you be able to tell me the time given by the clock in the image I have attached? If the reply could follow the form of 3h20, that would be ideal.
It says 9h33
